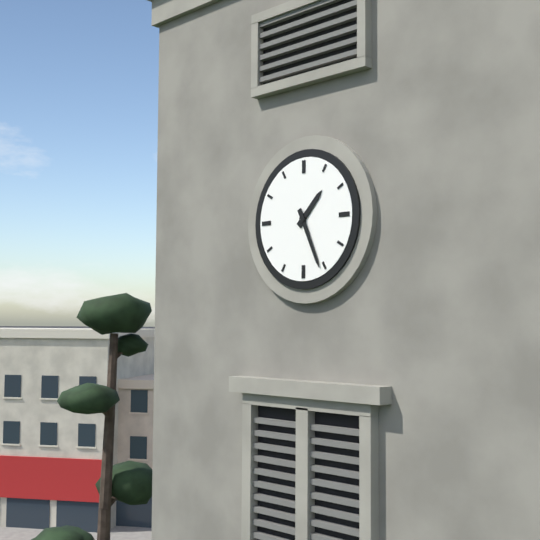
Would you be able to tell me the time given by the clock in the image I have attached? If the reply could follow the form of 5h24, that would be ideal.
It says 1h26
